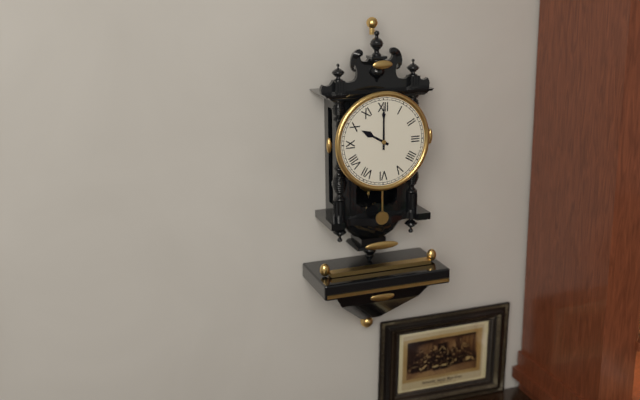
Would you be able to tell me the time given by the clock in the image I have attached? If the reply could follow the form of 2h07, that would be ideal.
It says 10h00
